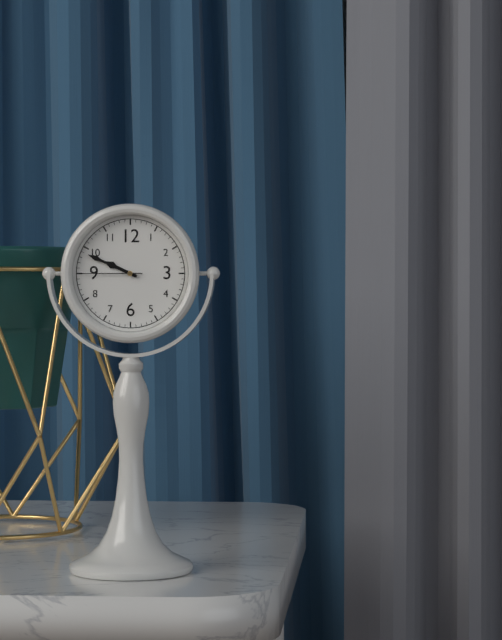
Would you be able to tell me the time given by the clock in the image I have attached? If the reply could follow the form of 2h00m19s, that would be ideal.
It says 9h49m45s
